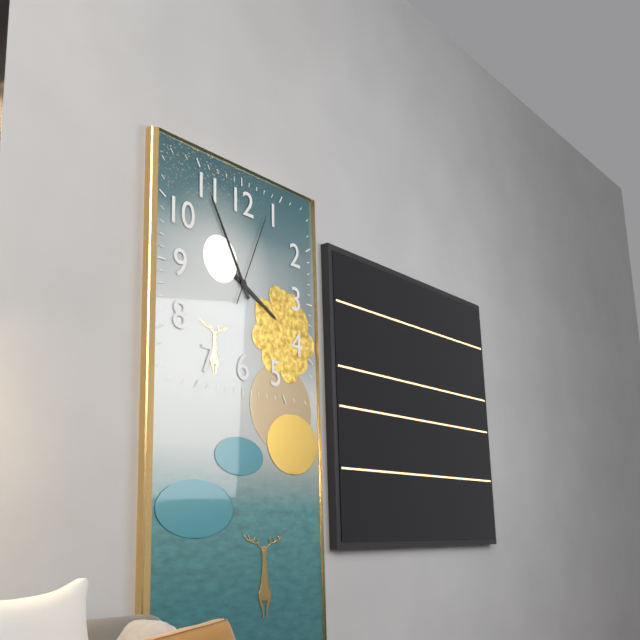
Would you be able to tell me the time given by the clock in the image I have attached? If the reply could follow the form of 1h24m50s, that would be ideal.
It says 3h55m04s
